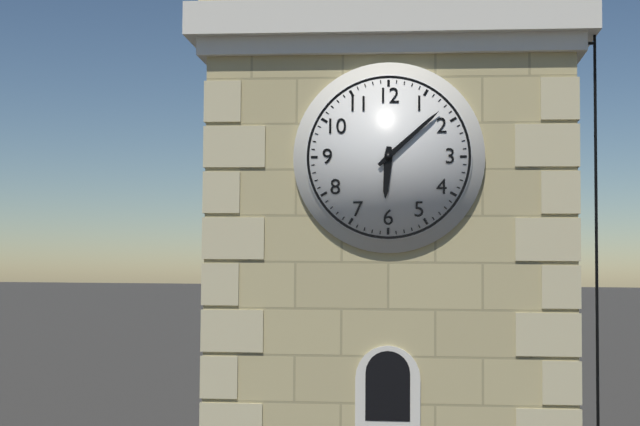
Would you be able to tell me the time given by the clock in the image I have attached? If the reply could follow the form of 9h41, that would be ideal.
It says 6h08
